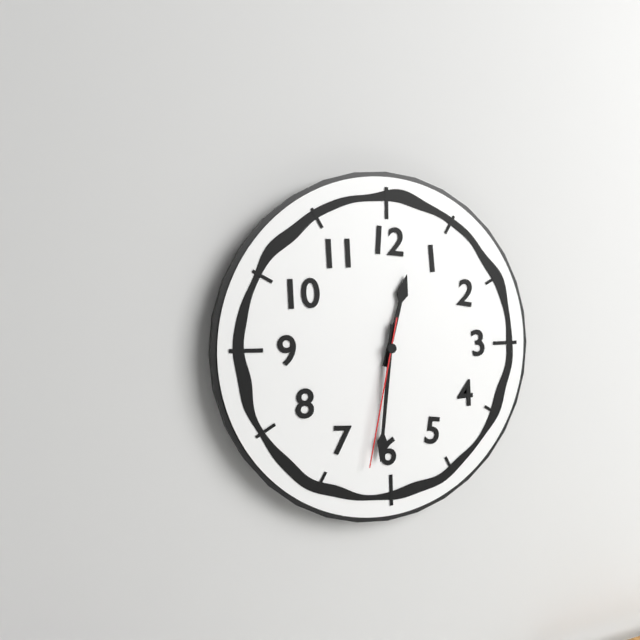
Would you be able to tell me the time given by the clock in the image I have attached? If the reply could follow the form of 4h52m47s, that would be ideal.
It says 12h31m32s
